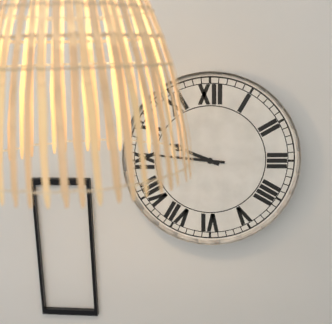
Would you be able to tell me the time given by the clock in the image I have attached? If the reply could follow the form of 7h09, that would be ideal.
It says 9h46
